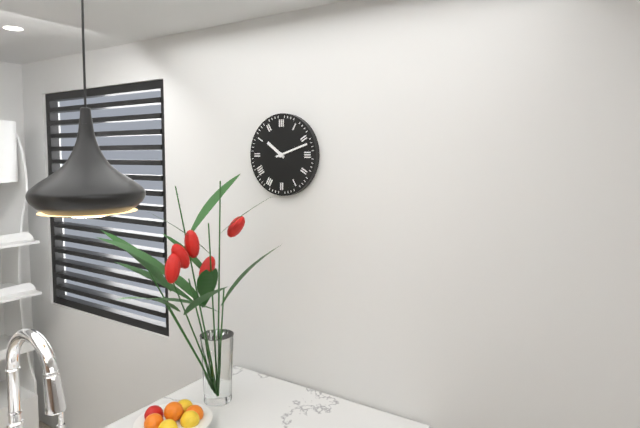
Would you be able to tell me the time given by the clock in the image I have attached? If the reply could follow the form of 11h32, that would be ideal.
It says 10h12
